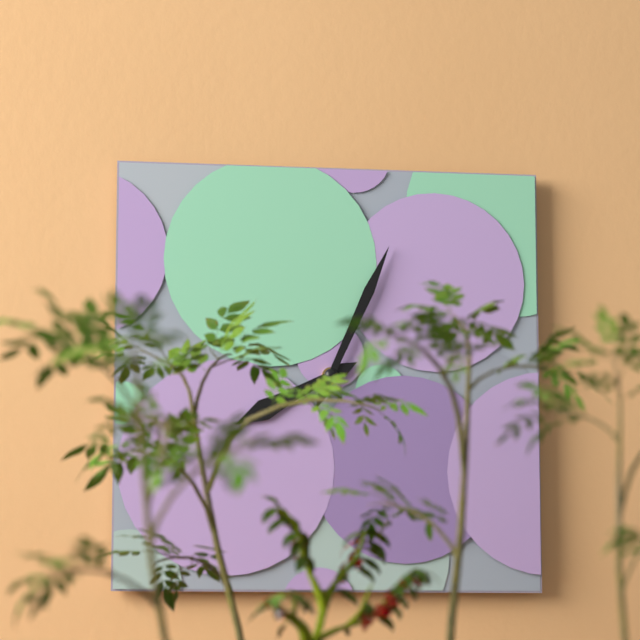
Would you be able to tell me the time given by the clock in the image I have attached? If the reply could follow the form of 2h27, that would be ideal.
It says 8h04
